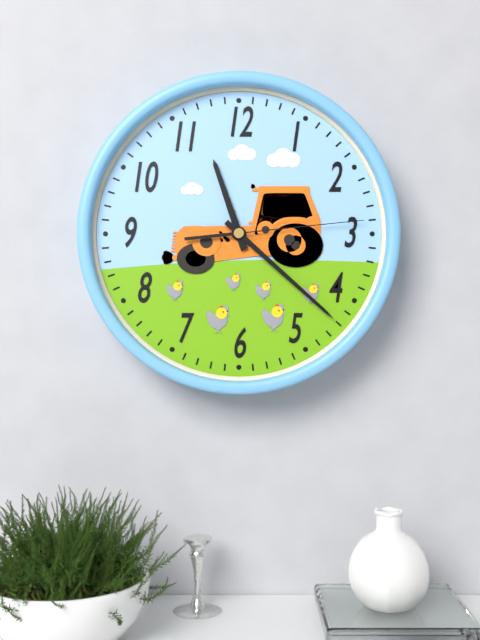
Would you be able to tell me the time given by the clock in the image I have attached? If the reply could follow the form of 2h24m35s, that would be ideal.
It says 11h22m14s
